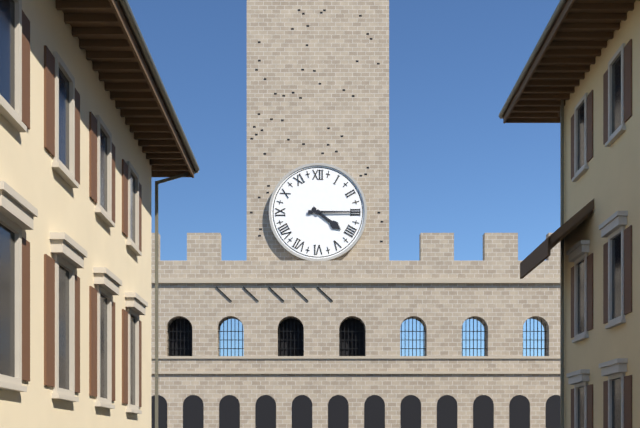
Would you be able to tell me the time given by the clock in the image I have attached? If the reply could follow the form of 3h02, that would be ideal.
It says 4h15
